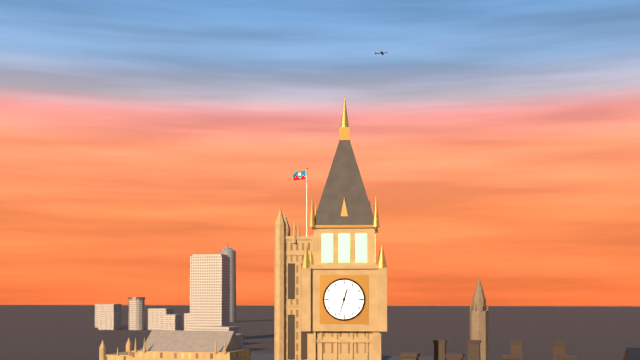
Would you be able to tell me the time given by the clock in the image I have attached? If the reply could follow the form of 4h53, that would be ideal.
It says 12h33
